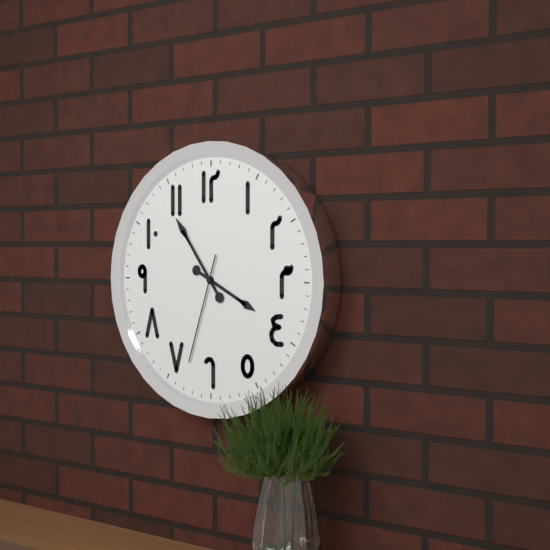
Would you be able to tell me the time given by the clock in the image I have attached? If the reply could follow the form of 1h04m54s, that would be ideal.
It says 3h54m33s
